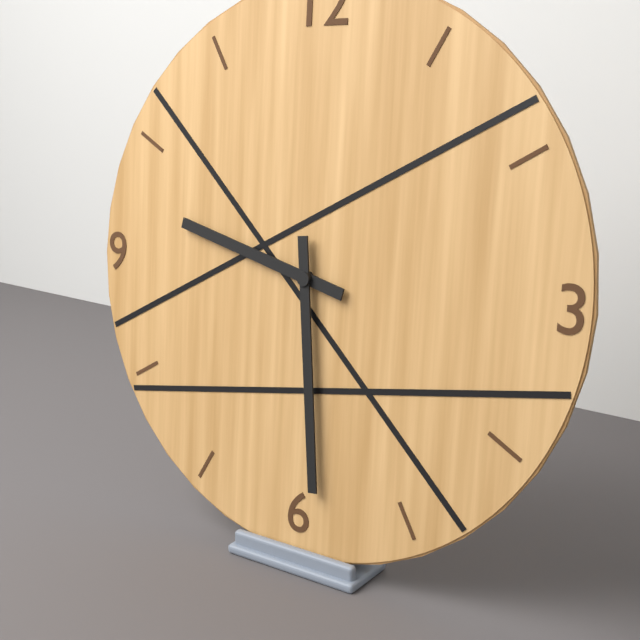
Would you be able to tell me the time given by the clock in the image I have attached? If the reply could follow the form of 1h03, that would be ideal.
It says 9h29
